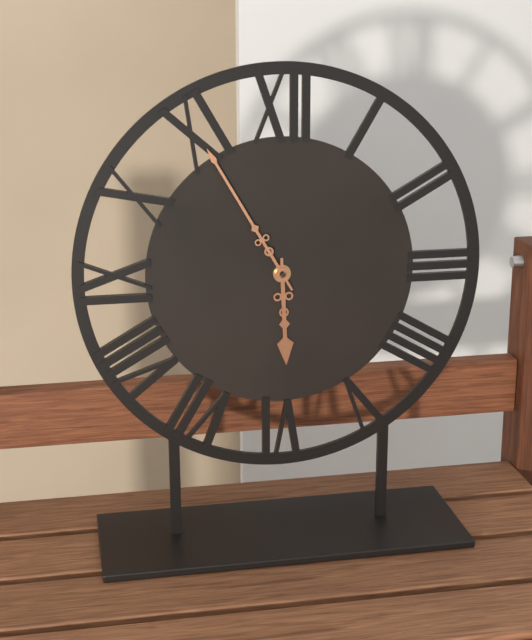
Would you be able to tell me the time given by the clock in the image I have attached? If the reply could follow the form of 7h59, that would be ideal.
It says 5h55
